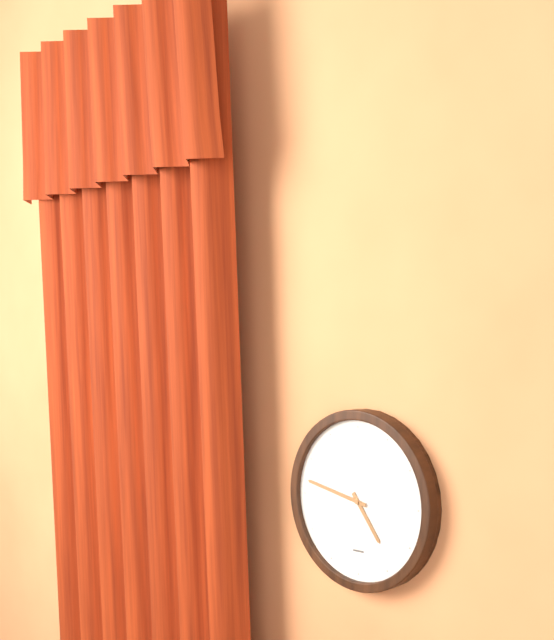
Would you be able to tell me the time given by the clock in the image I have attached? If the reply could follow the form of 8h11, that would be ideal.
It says 4h47
